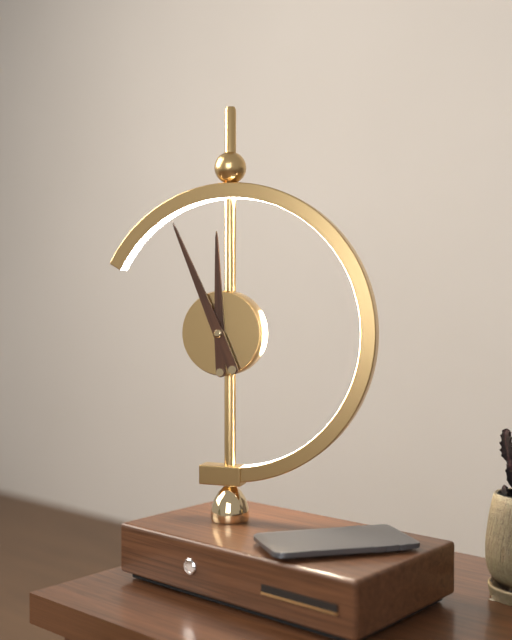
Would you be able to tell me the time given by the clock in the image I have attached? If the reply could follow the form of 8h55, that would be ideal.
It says 11h56
